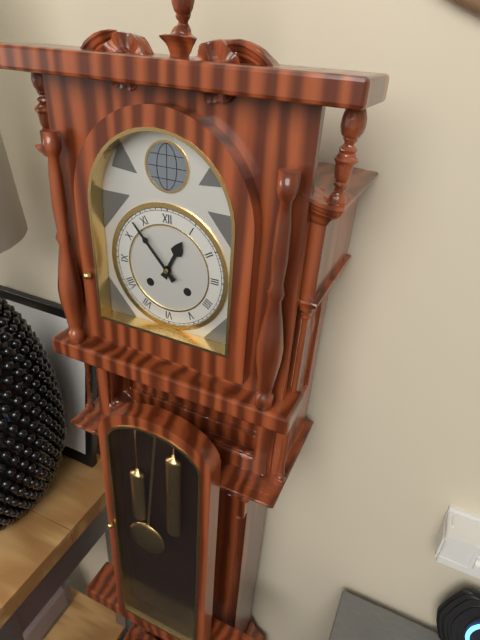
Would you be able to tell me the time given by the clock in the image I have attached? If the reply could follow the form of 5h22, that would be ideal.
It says 12h53
